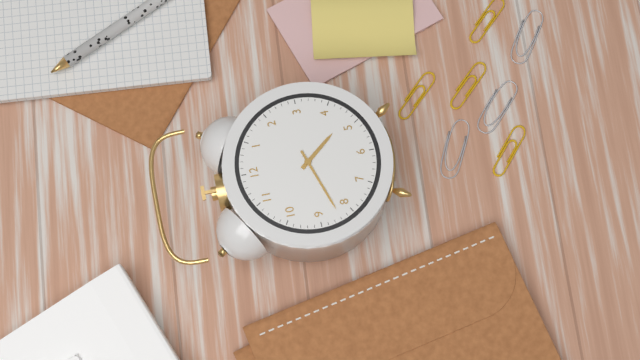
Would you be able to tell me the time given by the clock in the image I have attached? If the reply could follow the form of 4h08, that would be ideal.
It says 4h42
